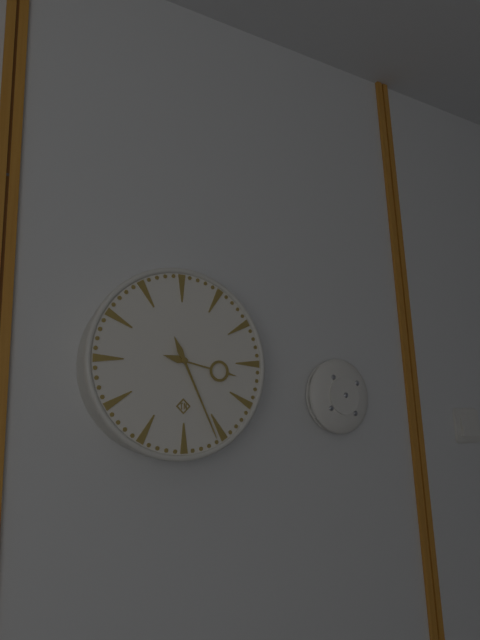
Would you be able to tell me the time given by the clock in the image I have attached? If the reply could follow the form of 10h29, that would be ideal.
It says 3h26
